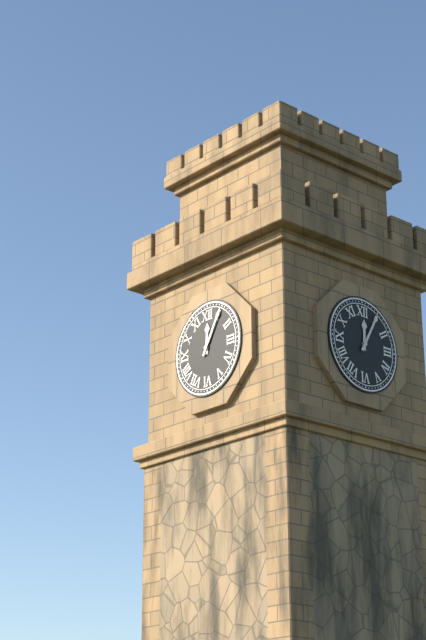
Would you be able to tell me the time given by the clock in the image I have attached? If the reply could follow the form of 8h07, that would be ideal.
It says 12h05
